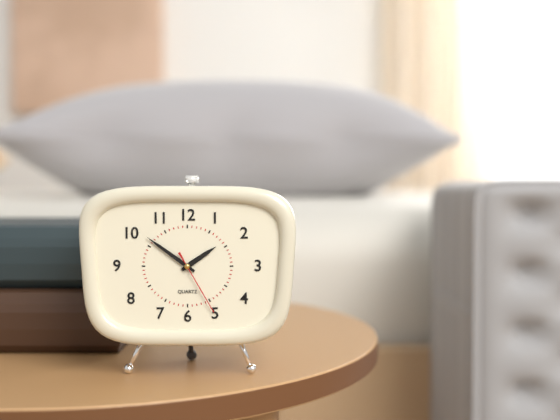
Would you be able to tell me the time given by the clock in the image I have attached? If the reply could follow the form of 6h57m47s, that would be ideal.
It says 1h51m25s
